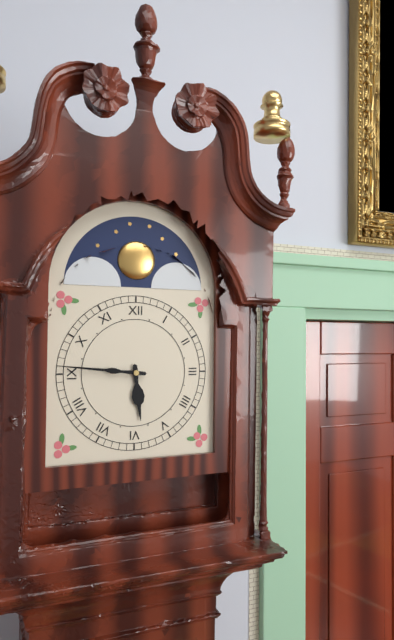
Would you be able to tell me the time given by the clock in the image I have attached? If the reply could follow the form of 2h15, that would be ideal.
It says 5h46
